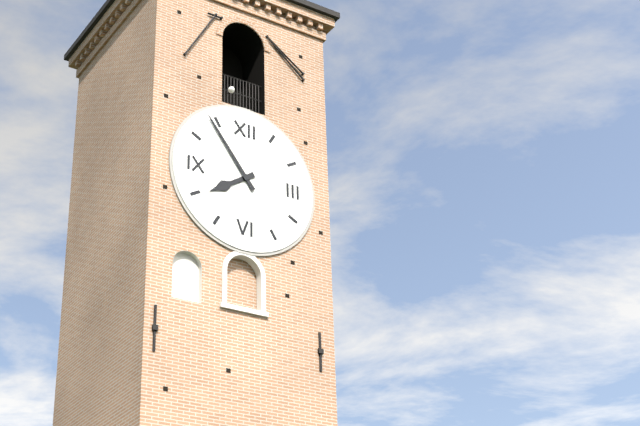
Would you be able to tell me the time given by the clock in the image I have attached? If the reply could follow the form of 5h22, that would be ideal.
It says 7h54
